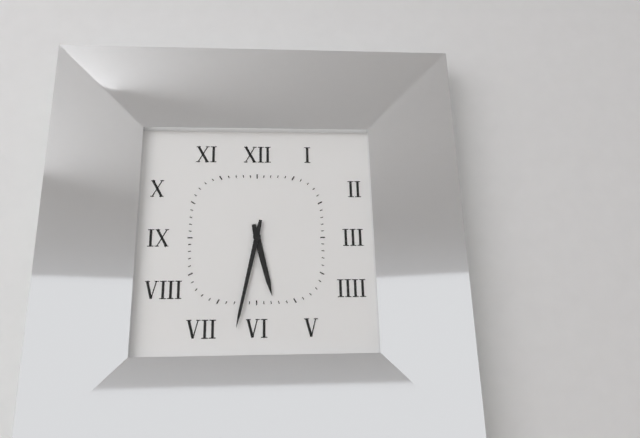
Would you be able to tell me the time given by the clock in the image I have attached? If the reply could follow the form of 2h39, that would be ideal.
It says 5h32
